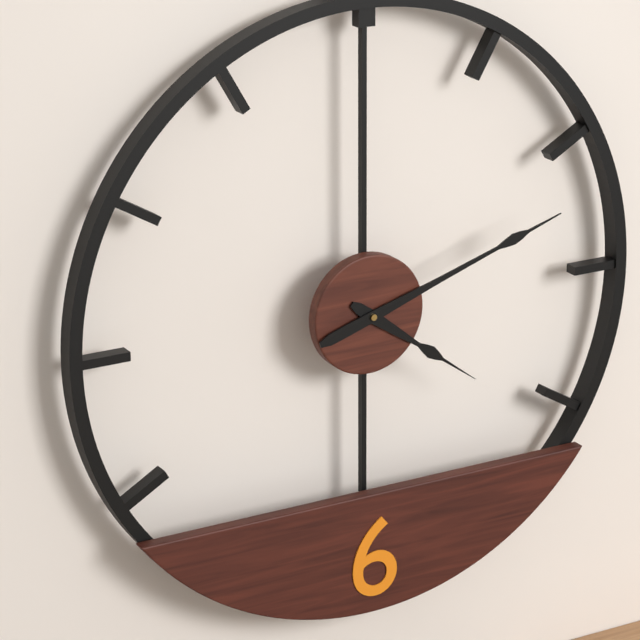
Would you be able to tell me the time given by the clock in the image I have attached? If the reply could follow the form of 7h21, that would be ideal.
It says 4h12
